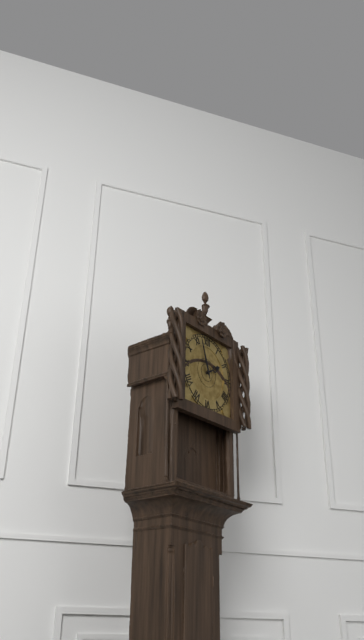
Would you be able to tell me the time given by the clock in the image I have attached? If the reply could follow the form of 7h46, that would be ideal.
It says 1h57
